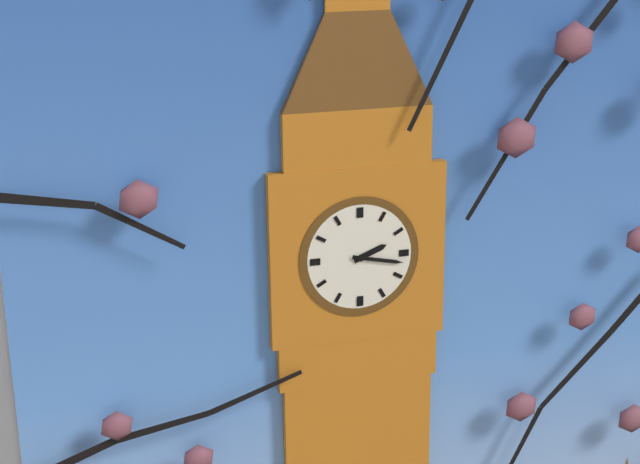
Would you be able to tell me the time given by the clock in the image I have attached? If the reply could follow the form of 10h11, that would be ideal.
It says 2h17
